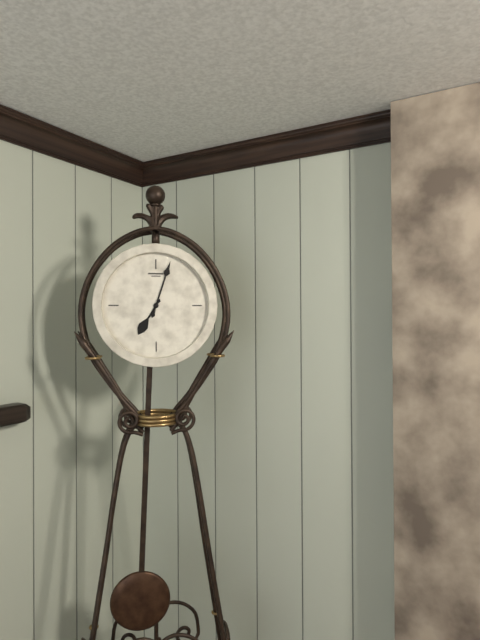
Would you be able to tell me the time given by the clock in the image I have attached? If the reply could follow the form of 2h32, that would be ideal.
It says 7h03
